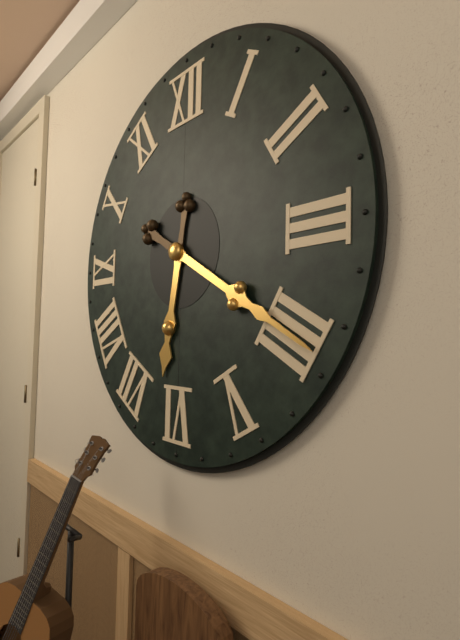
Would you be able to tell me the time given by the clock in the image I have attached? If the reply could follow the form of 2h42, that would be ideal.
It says 6h20
